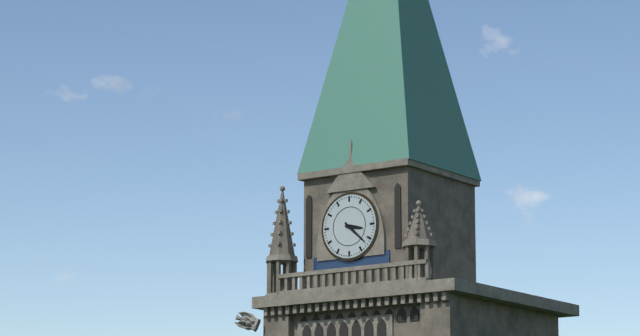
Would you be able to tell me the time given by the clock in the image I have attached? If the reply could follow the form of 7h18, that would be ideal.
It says 3h22
